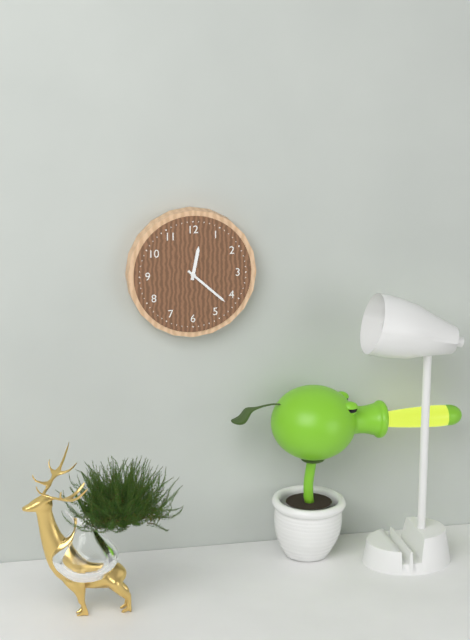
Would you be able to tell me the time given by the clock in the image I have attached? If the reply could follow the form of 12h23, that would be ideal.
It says 12h22
